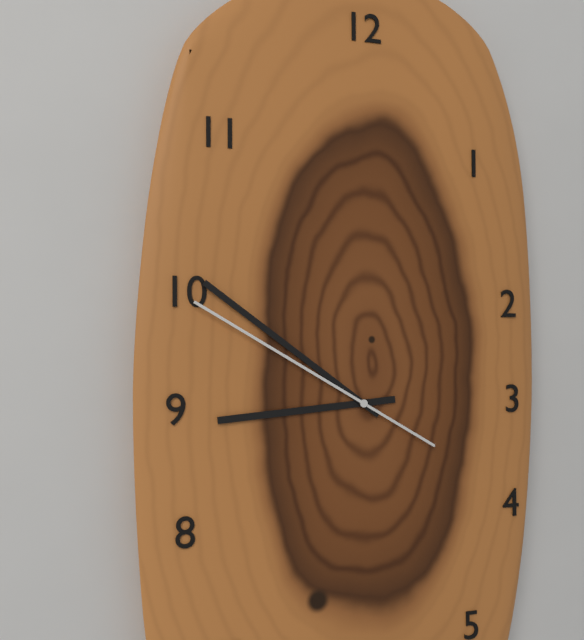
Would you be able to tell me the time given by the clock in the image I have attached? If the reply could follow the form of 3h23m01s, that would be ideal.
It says 8h51m50s
